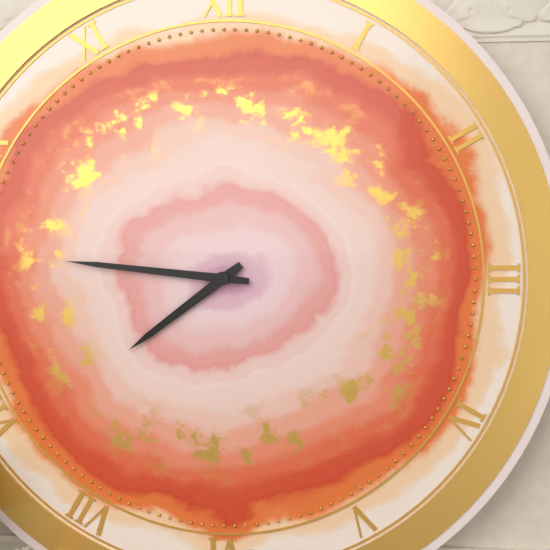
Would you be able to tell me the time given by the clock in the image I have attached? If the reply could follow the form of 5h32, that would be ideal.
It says 7h46
